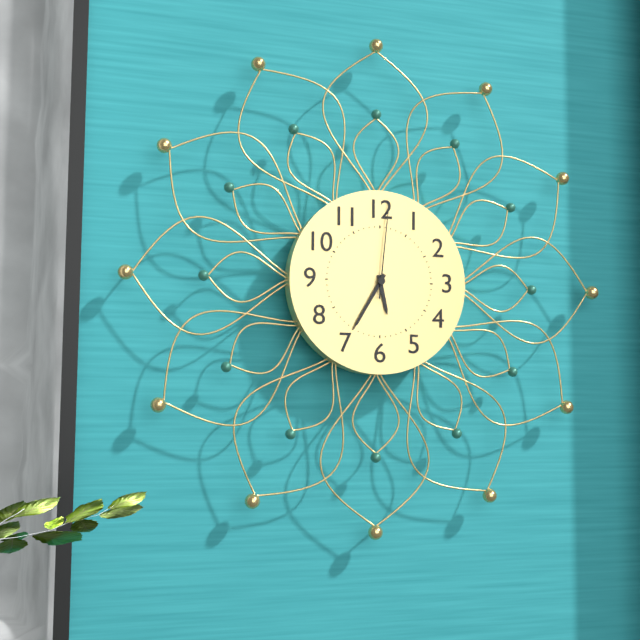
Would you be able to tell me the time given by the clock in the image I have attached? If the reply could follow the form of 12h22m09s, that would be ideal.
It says 5h35m01s
